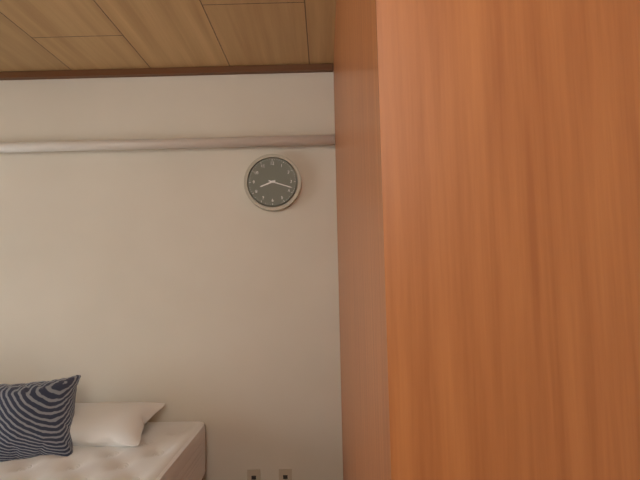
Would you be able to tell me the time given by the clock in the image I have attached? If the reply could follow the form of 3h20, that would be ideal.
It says 8h18
